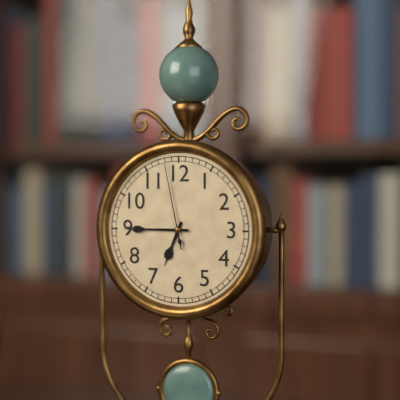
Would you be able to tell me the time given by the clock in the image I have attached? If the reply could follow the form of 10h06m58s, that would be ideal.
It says 6h45m58s
